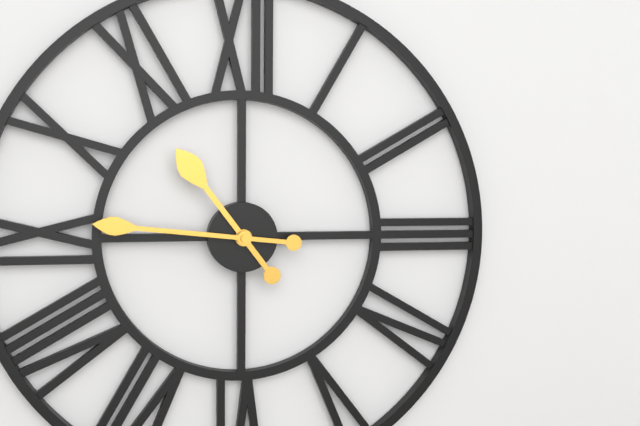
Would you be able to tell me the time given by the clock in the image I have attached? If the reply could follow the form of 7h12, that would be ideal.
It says 10h46
